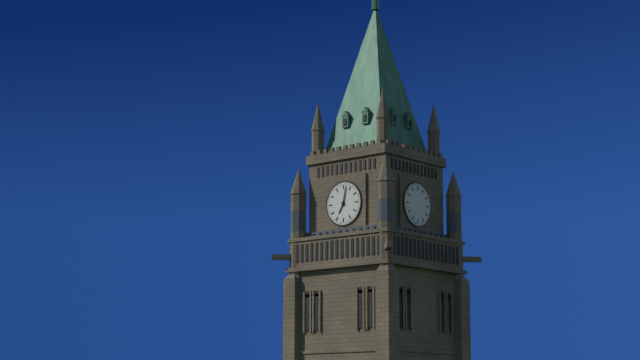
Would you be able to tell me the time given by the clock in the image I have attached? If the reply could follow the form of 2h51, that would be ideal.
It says 7h02
